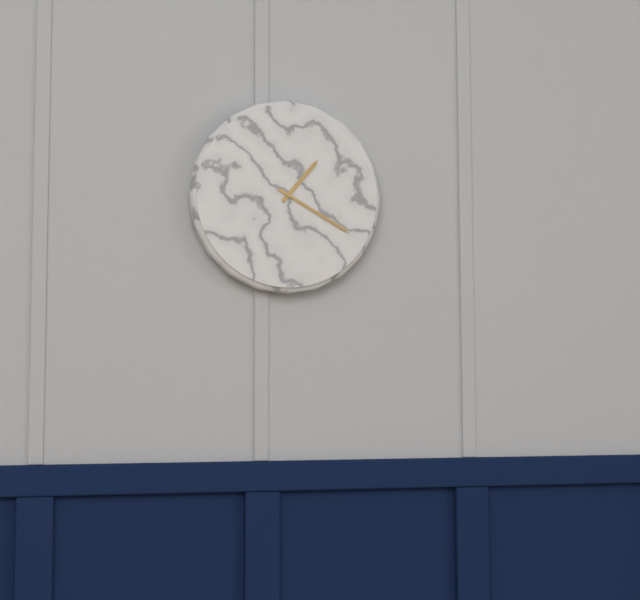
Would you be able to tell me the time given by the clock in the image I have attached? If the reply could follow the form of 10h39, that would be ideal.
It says 1h20
